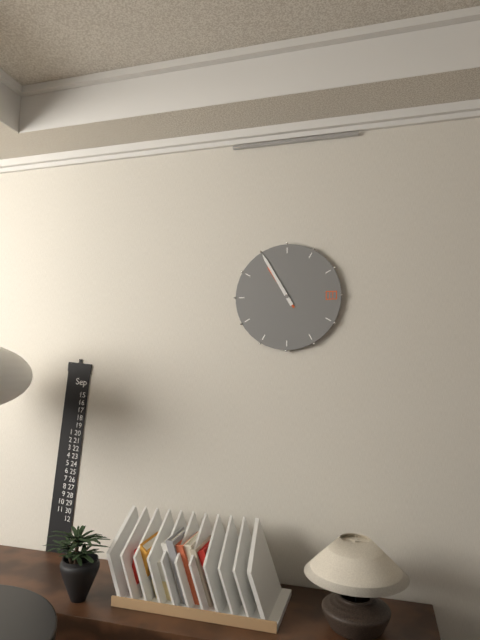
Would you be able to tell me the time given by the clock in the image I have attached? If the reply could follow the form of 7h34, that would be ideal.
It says 10h55
